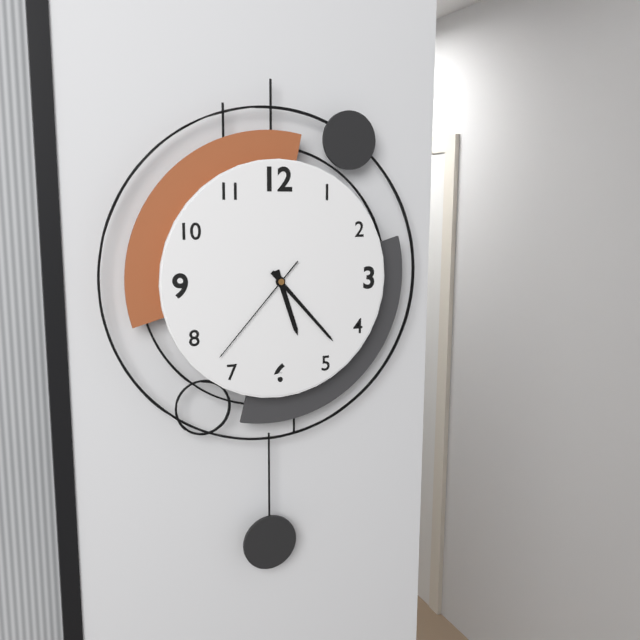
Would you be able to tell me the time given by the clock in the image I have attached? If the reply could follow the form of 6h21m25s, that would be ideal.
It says 5h23m37s
